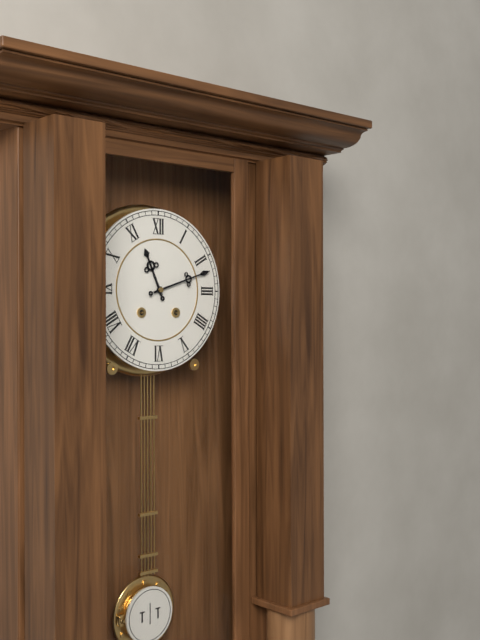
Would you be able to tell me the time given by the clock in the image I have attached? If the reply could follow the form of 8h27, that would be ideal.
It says 11h12
